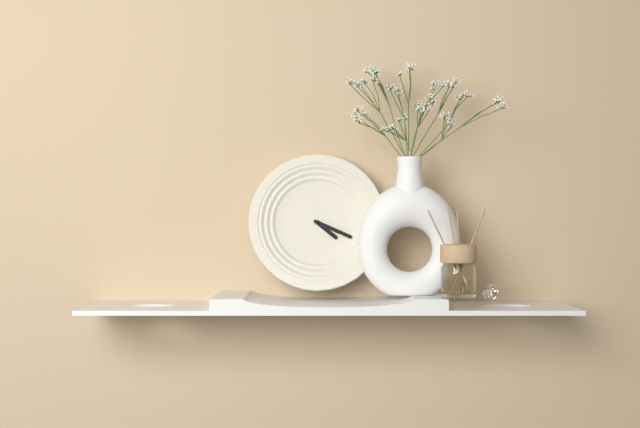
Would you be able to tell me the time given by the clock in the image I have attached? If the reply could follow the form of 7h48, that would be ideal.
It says 4h19
